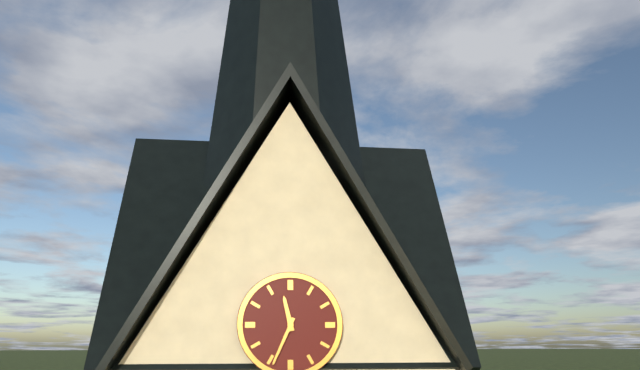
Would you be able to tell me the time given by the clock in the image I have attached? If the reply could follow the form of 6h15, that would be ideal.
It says 11h34
